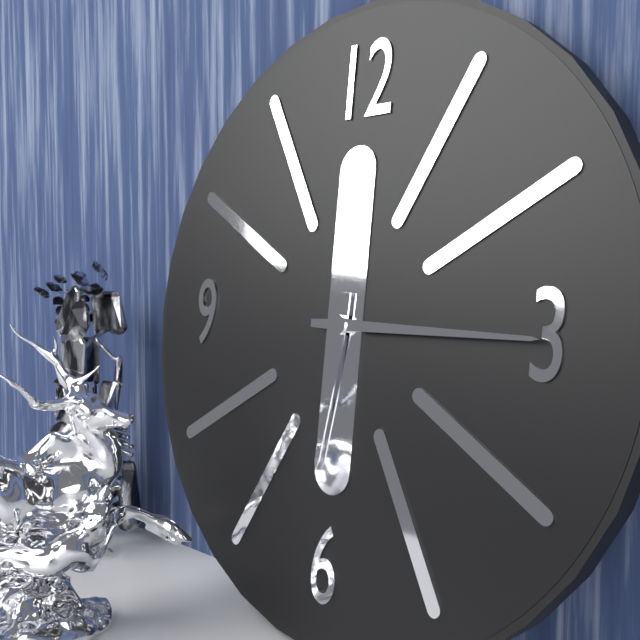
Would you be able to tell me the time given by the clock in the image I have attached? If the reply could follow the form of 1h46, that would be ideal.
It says 6h15
